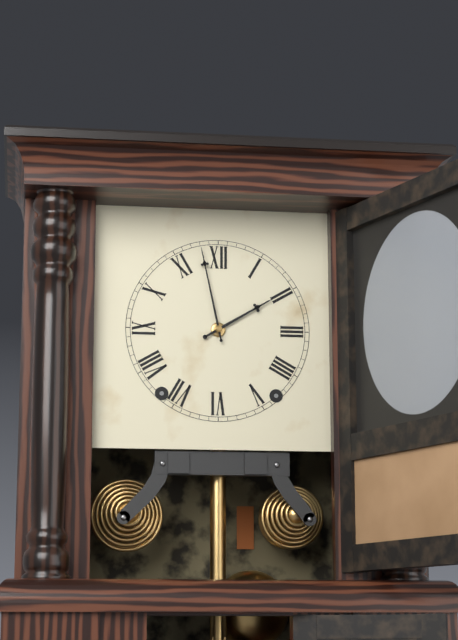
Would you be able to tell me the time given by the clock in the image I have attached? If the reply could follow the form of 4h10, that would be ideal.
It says 1h58
